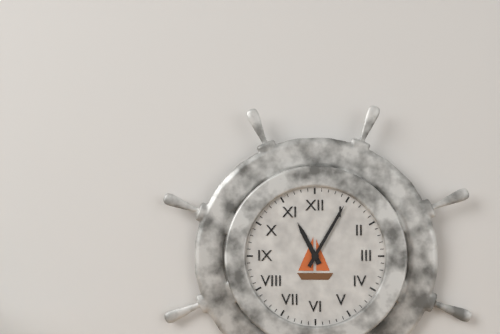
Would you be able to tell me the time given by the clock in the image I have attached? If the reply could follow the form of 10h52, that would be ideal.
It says 11h05
